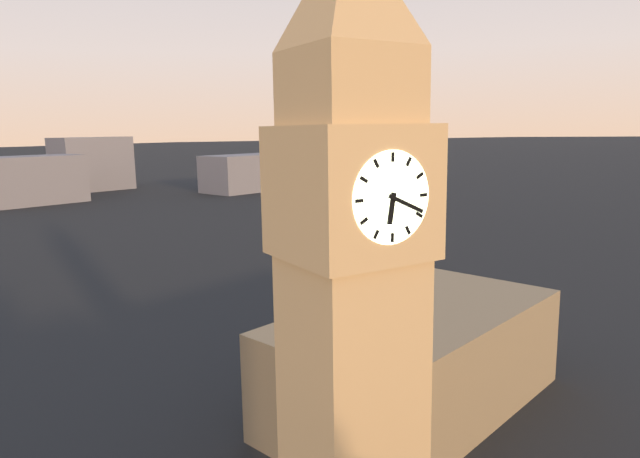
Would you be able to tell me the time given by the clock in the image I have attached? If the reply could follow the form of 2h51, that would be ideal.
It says 6h19
